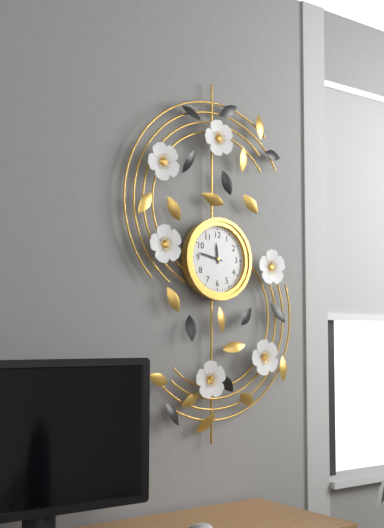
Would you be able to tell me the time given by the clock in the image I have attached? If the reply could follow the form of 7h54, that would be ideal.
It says 11h47
